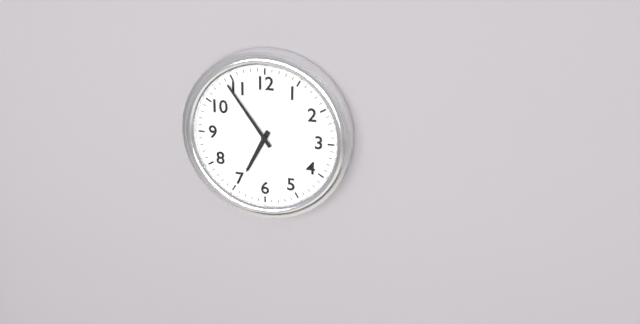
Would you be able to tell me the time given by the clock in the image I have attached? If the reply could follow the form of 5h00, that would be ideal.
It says 6h54
